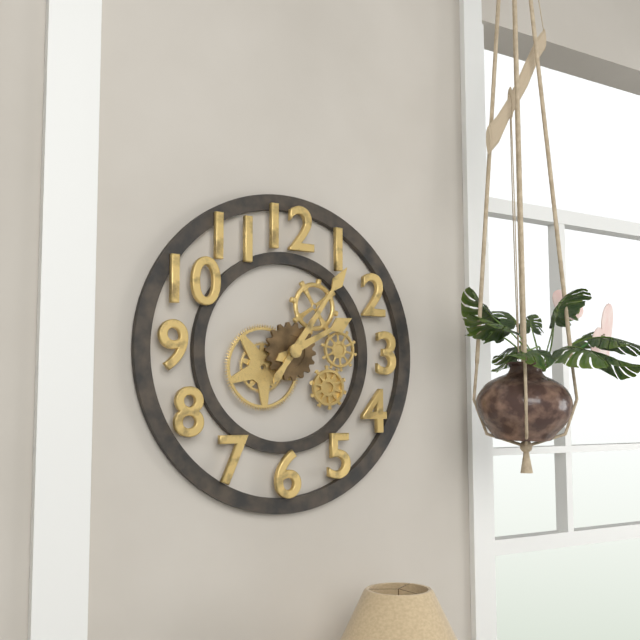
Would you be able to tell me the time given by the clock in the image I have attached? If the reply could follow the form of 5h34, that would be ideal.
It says 2h06
